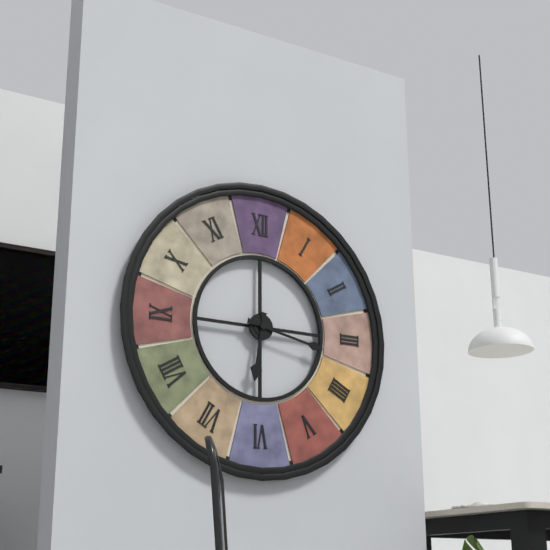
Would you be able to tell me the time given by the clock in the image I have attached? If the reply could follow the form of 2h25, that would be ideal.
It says 6h17
